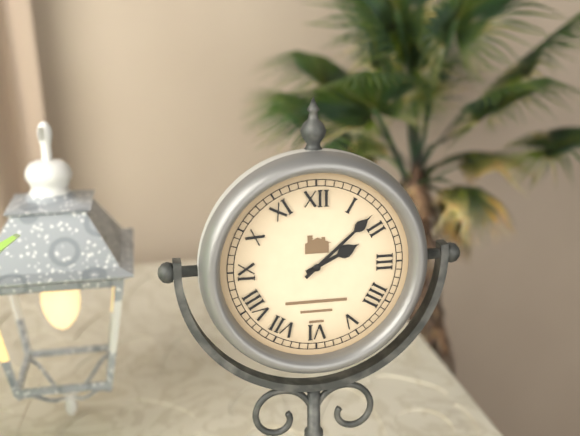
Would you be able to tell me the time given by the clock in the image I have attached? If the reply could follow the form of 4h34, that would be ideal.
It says 2h08
